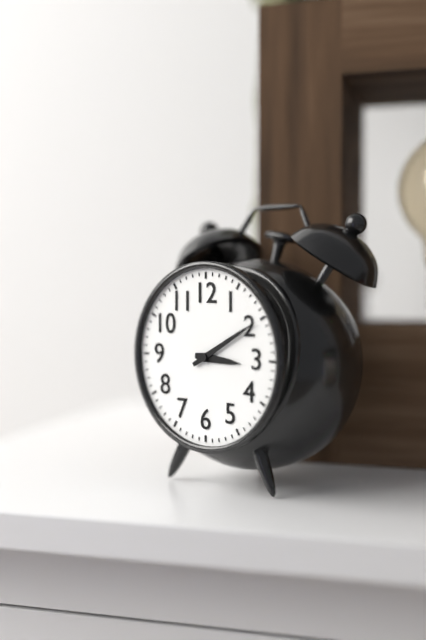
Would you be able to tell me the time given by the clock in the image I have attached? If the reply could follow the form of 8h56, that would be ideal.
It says 3h10
